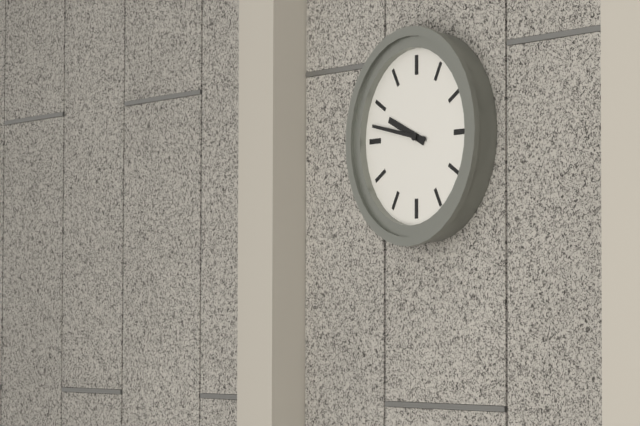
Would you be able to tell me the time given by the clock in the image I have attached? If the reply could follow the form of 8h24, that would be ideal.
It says 9h47
